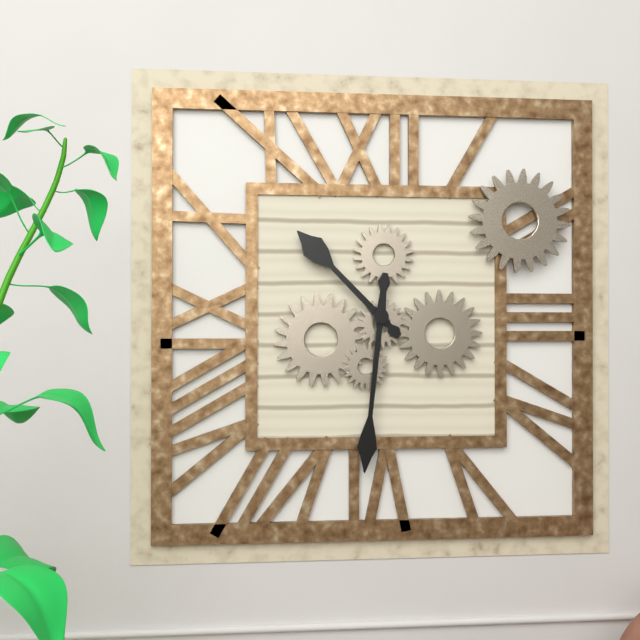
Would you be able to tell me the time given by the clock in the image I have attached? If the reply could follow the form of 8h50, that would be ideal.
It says 10h31
